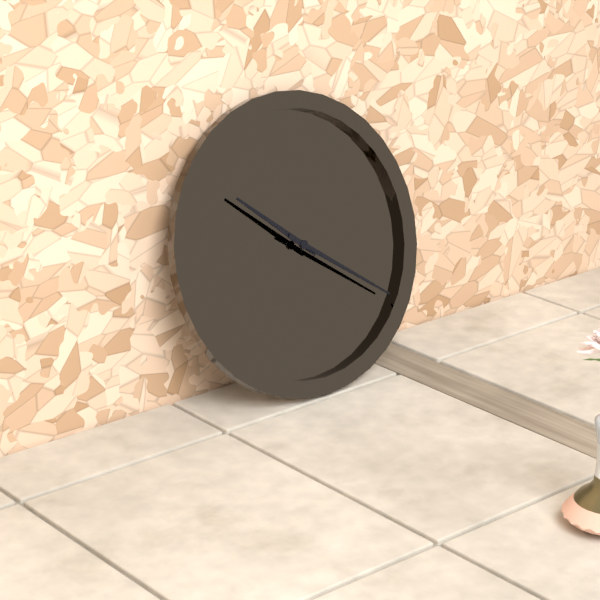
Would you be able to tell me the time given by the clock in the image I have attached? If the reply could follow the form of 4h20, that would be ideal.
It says 10h21
